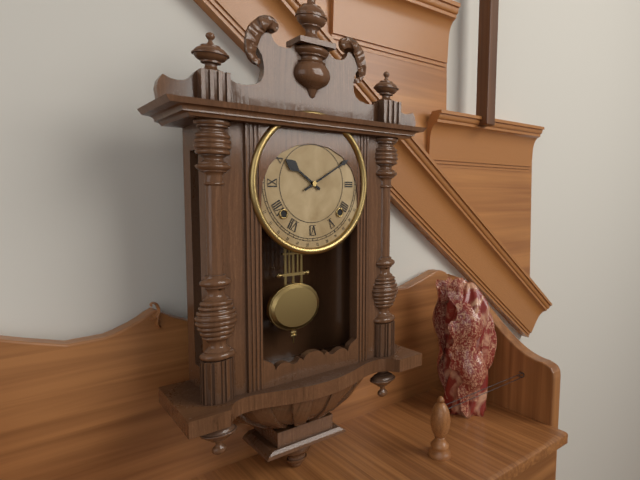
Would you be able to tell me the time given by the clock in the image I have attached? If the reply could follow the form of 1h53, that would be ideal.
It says 10h10
